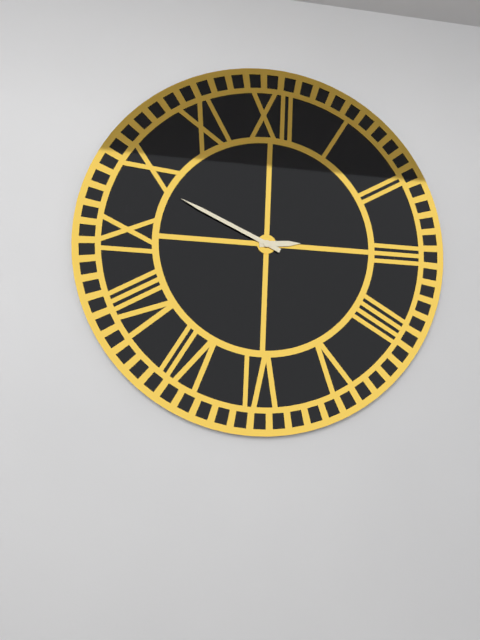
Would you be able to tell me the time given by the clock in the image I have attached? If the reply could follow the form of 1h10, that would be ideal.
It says 2h49
